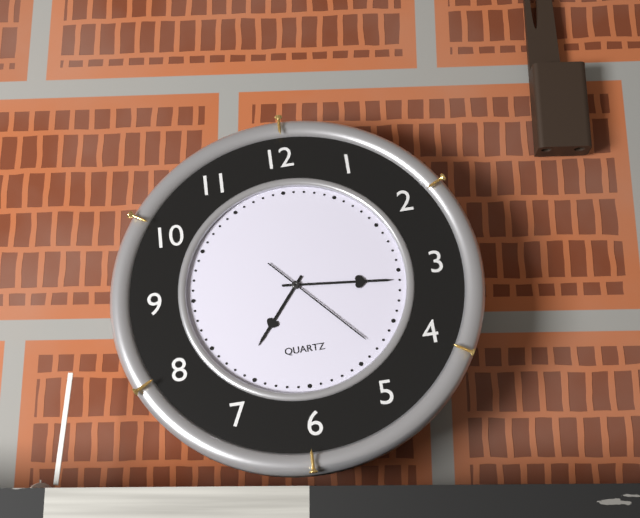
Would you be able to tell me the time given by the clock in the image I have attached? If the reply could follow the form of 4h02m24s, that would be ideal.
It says 7h16m23s
